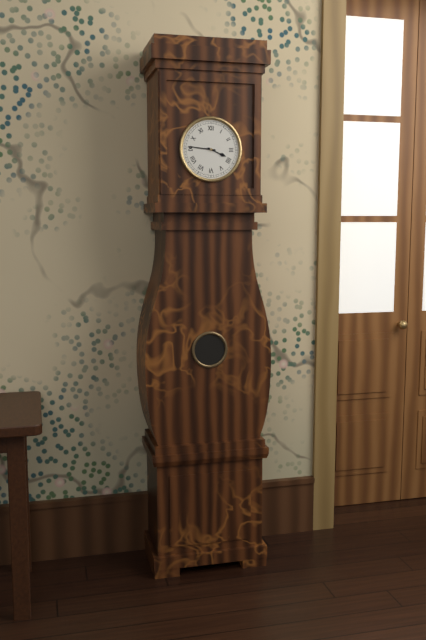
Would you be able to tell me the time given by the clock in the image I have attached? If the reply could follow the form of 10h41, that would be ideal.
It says 3h46
